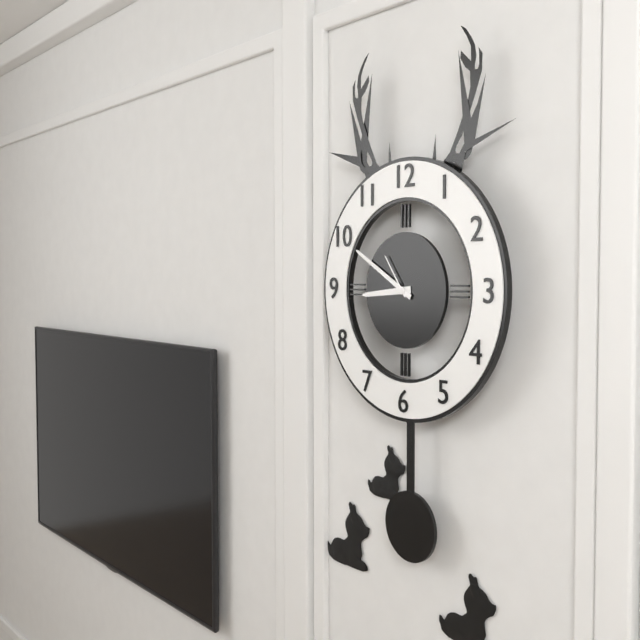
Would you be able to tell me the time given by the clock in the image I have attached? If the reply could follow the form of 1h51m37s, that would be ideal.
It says 8h50m54s
